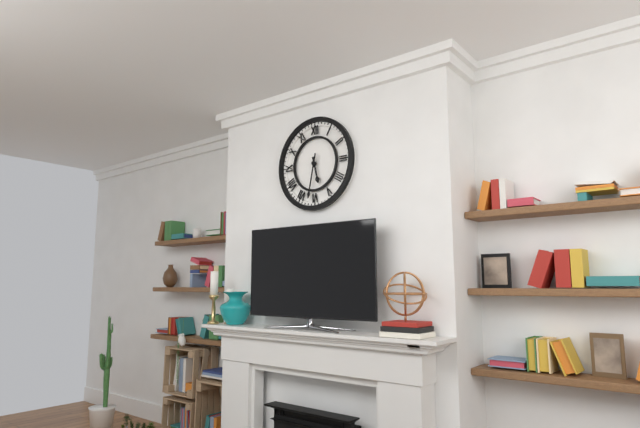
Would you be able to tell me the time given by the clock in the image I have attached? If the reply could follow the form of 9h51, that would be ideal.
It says 5h32
